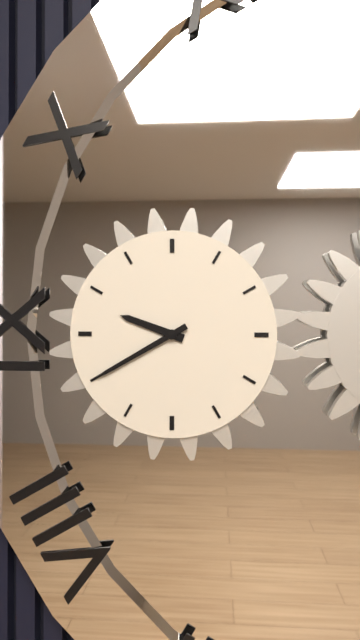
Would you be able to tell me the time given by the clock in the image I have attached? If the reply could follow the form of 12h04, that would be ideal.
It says 9h40
